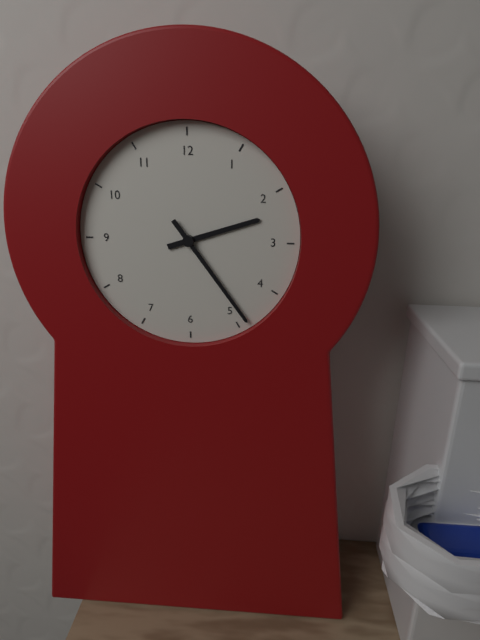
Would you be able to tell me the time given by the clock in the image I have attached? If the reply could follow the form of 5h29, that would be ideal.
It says 2h24
